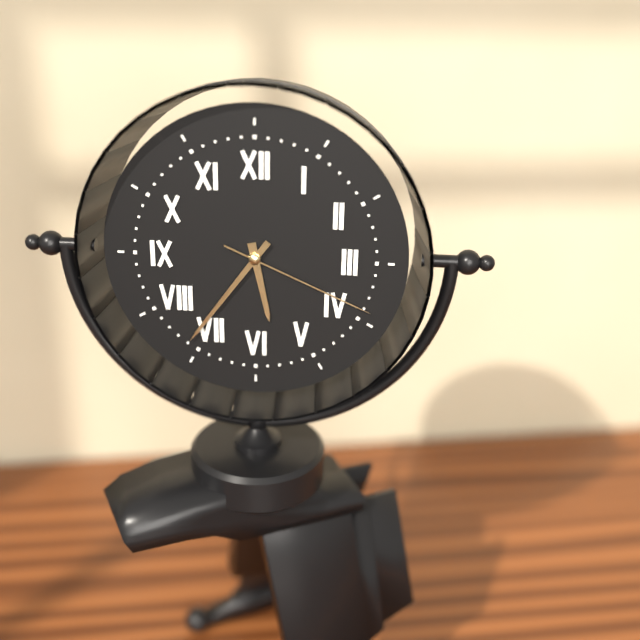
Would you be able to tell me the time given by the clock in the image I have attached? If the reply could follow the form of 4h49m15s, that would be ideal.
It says 5h36m19s
